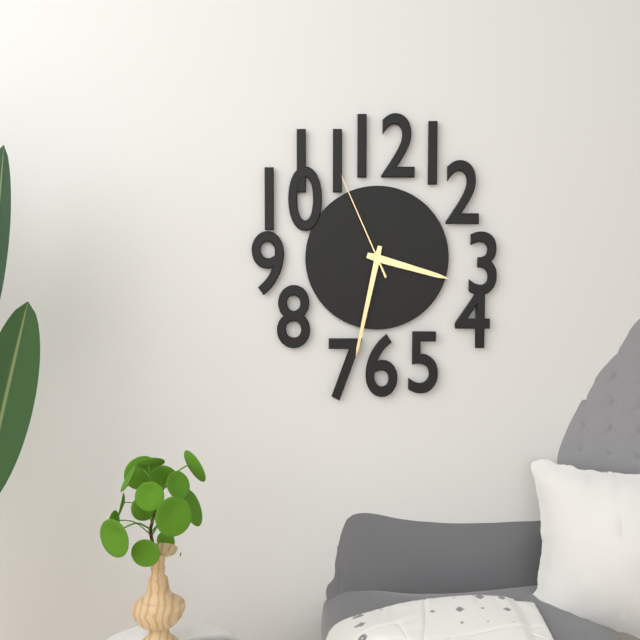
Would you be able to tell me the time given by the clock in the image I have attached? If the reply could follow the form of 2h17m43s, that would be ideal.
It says 3h32m56s
